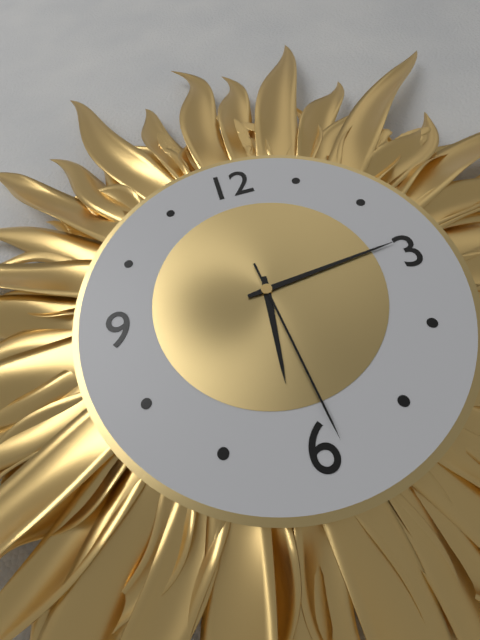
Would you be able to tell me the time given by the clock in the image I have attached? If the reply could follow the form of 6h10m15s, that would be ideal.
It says 6h14m29s
